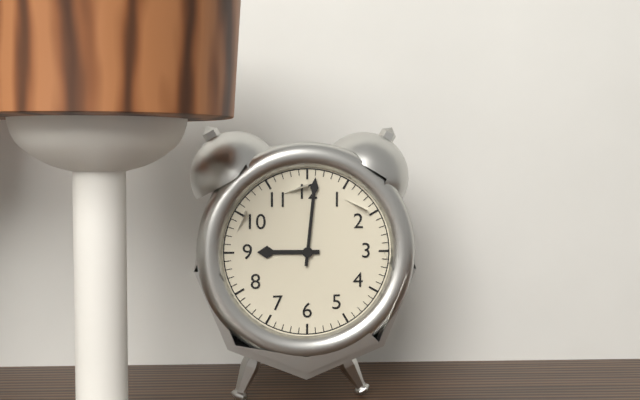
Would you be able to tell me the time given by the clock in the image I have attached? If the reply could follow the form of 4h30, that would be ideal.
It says 9h01
